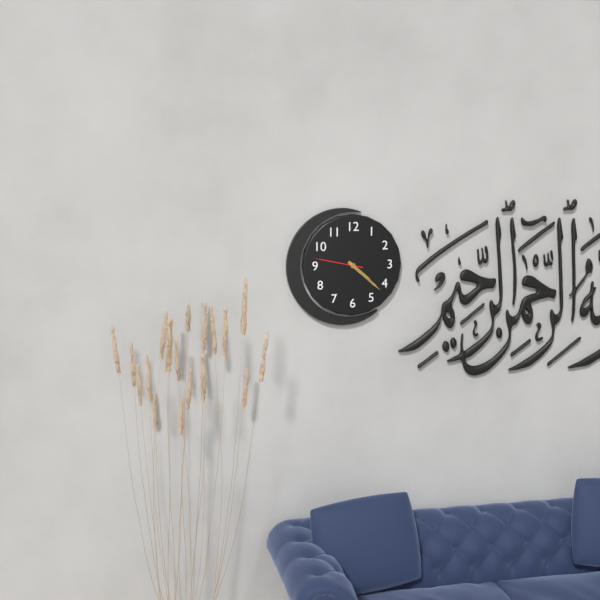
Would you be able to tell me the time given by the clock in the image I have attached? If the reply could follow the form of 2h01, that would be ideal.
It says 4h22
